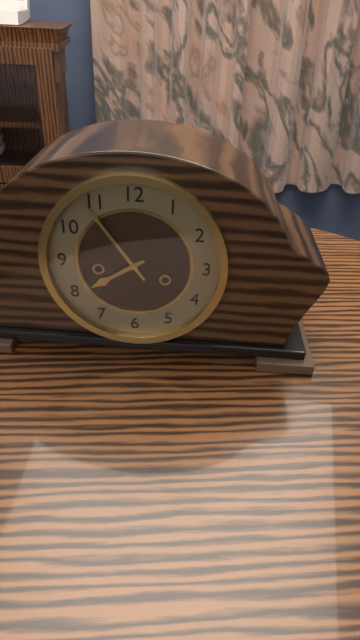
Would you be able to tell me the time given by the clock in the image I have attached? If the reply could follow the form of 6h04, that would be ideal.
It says 7h54
